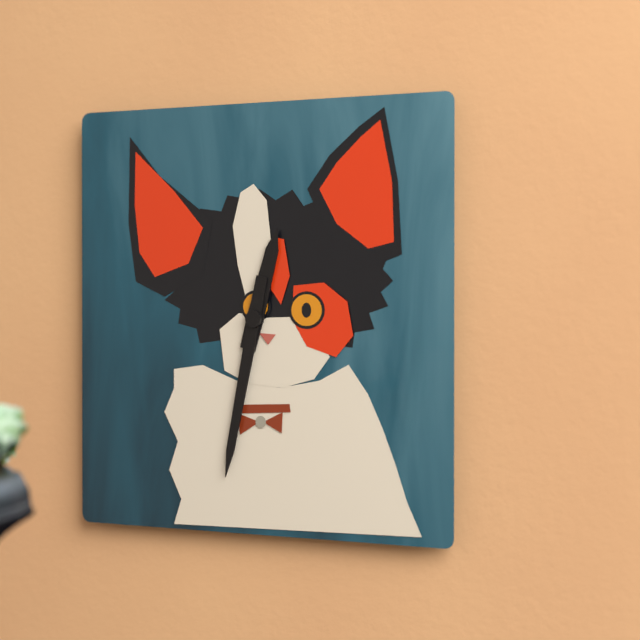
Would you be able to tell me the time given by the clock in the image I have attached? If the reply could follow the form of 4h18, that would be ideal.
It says 12h32
